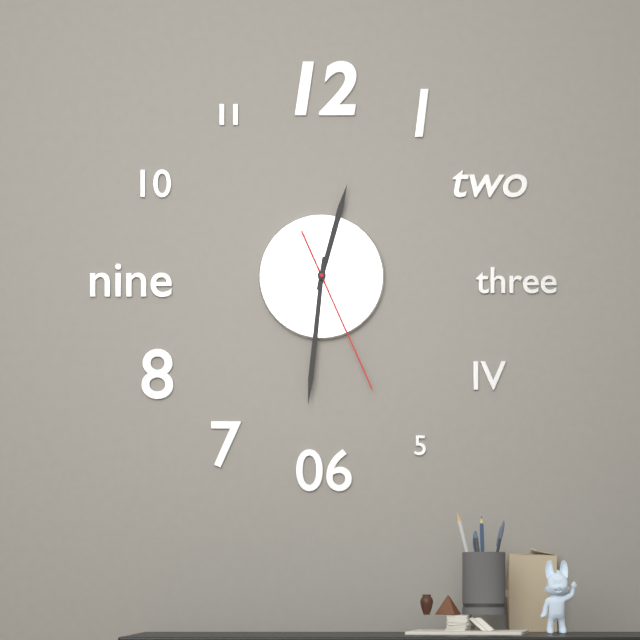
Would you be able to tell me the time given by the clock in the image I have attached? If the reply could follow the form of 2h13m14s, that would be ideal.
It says 12h31m26s
